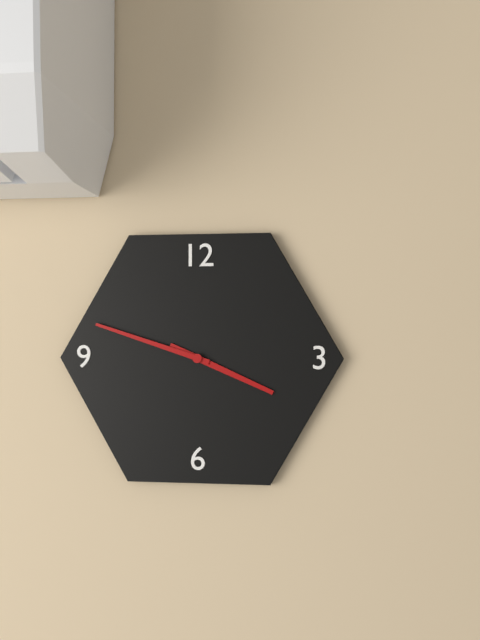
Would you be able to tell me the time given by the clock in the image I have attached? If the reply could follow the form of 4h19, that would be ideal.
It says 3h48
